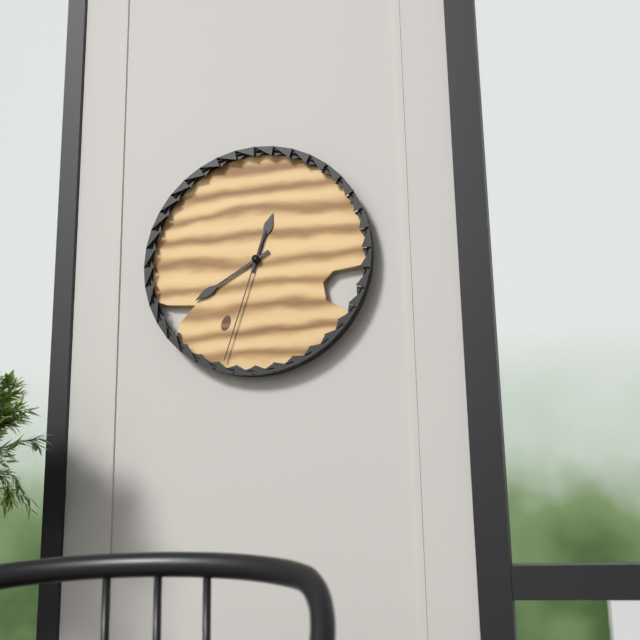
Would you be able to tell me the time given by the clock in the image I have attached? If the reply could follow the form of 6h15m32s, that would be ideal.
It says 12h40m33s
